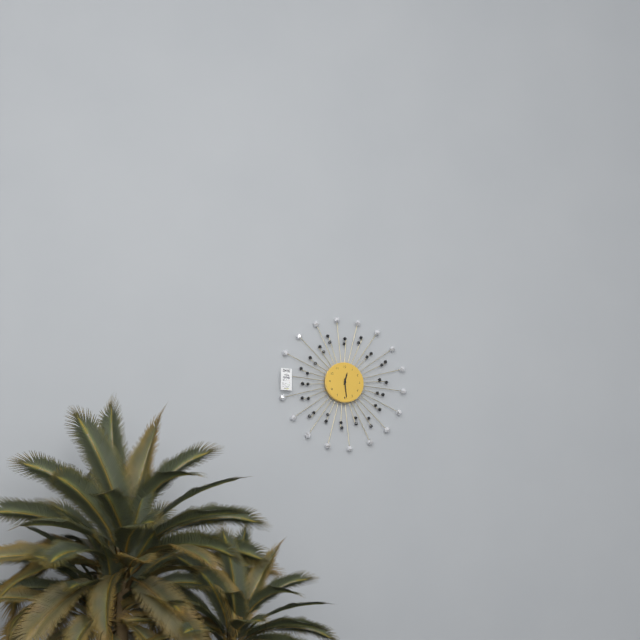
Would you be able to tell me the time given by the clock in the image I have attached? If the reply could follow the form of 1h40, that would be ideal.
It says 12h29
